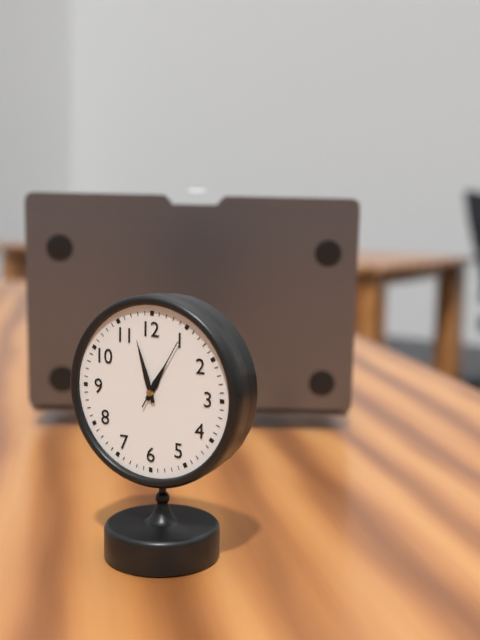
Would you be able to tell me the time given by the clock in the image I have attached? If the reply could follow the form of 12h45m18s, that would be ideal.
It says 12h57m05s
